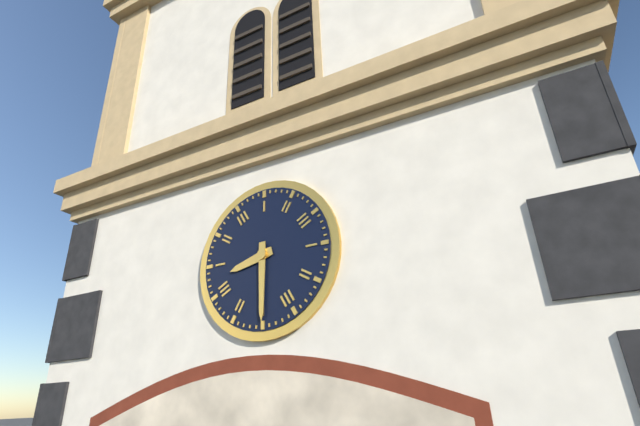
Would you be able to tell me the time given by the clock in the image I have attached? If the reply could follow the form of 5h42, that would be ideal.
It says 8h30
